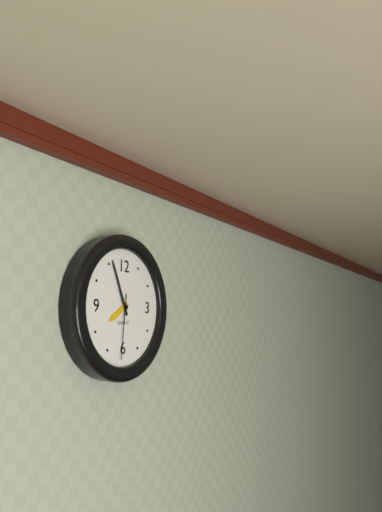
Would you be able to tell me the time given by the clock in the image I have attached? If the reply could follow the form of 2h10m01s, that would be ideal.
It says 7h56m31s
